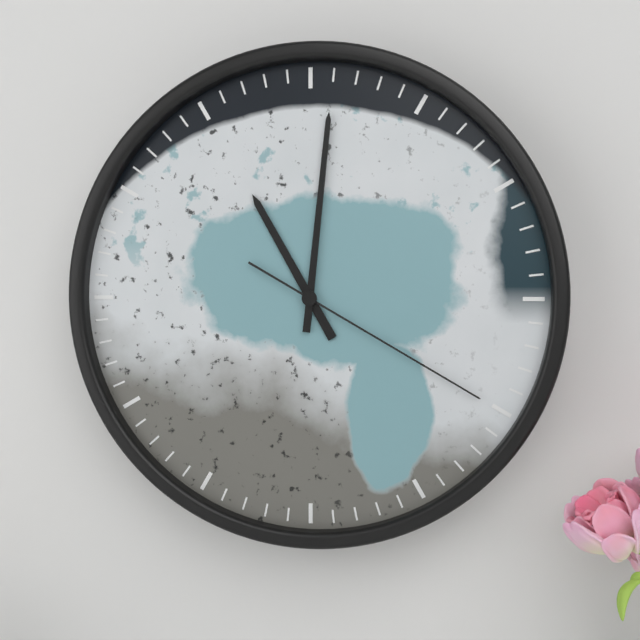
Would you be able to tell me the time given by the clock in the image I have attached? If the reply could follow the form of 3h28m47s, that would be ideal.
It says 11h01m20s
